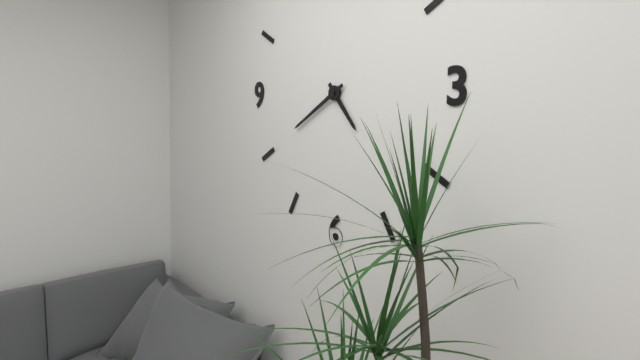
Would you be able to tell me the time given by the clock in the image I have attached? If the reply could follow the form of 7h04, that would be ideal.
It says 4h40
